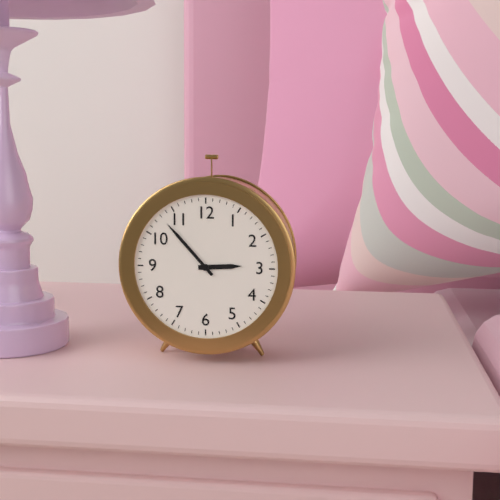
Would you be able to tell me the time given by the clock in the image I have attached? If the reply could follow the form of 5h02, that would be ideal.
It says 2h53
